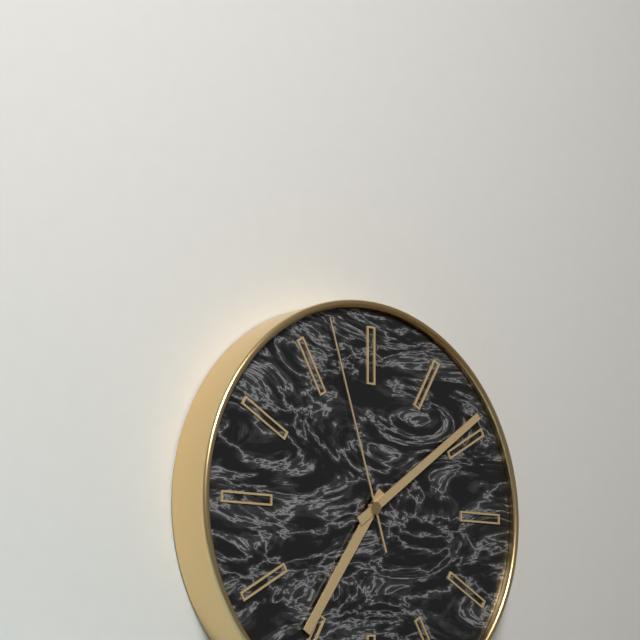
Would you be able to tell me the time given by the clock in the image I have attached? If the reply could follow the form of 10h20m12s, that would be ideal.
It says 7h09m57s
